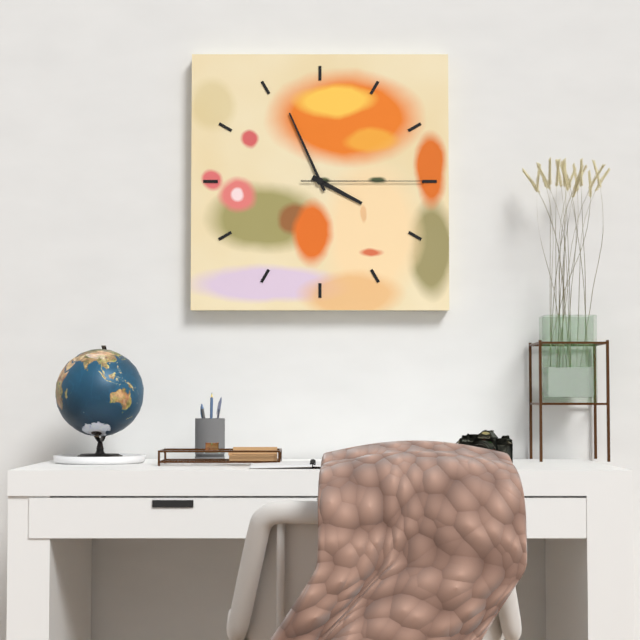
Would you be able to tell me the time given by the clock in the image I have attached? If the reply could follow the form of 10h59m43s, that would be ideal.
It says 3h56m15s
